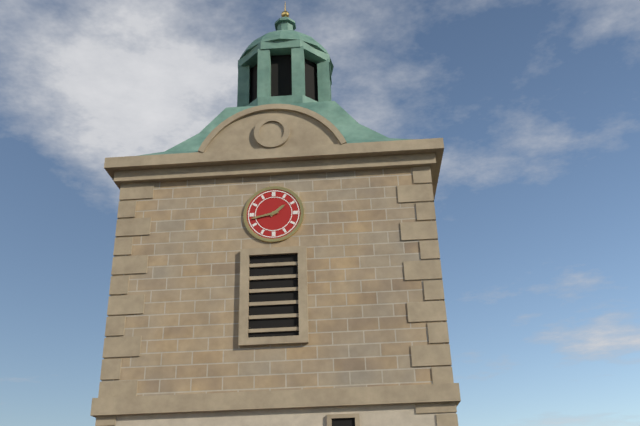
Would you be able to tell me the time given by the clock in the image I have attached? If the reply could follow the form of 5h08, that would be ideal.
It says 1h43
